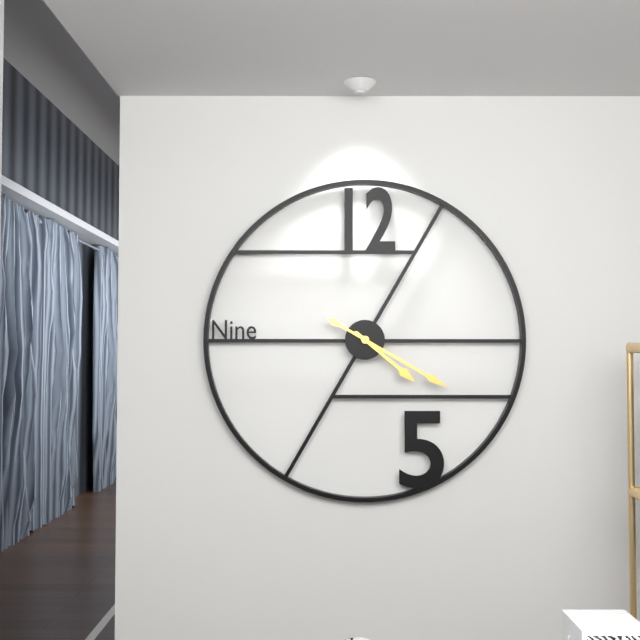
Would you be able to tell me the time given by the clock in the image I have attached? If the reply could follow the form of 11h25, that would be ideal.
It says 4h20
